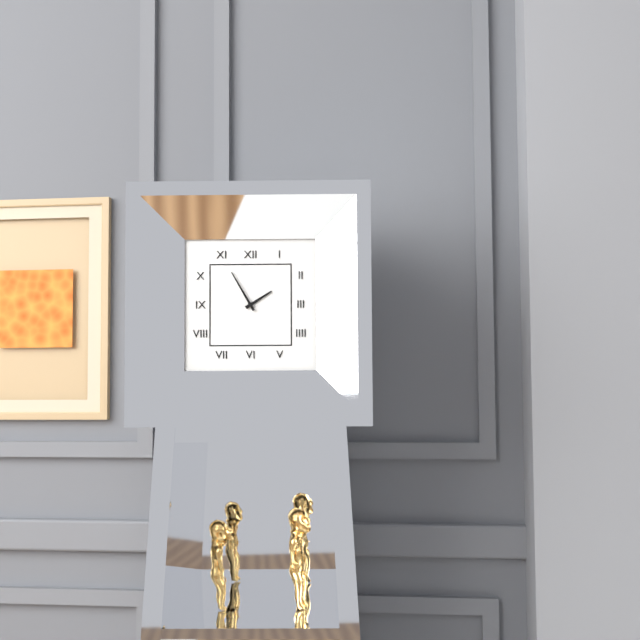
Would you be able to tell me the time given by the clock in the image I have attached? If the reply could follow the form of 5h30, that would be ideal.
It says 1h55
